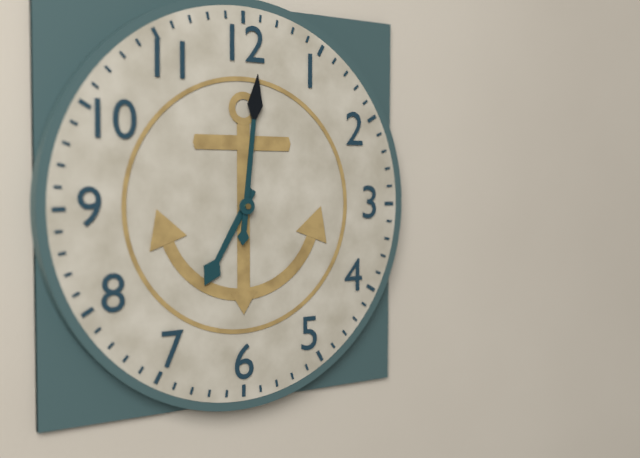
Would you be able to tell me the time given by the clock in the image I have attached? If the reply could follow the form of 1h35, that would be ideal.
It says 7h01
